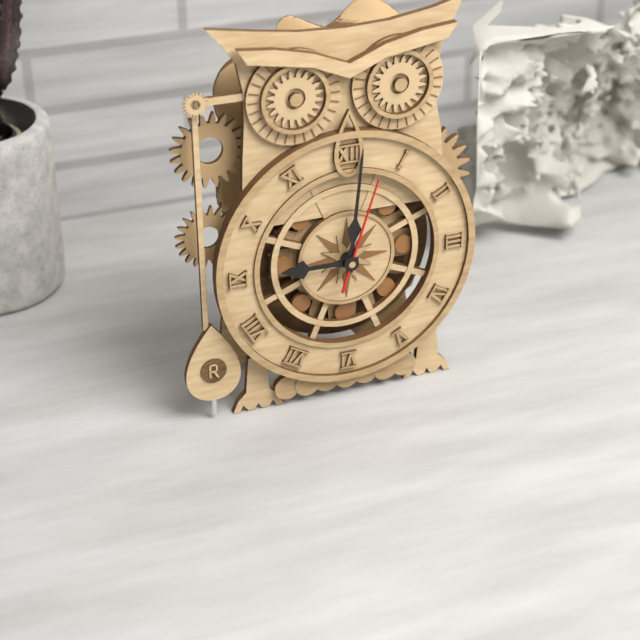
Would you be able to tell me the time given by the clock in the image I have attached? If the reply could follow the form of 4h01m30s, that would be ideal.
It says 9h01m03s
